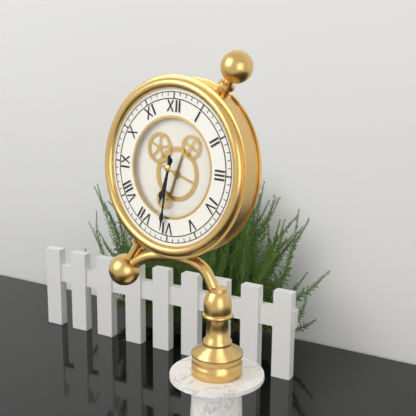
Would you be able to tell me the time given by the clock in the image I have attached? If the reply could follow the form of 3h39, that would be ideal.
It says 6h31
